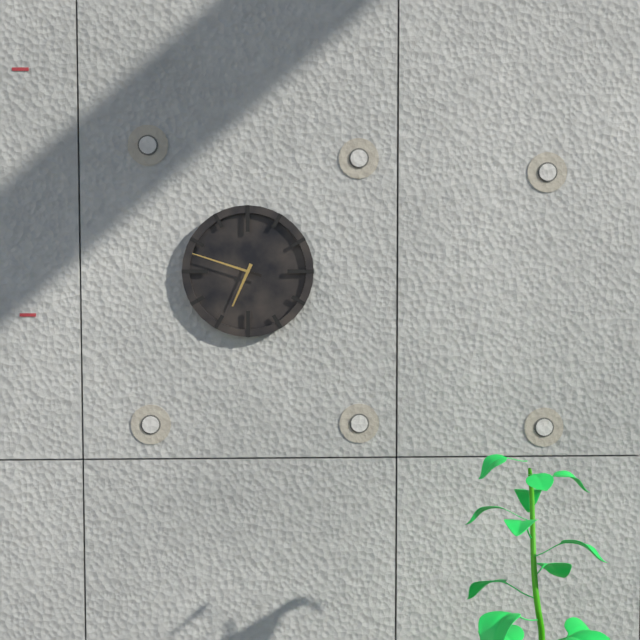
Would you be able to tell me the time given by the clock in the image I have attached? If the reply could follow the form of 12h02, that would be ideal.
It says 6h48
